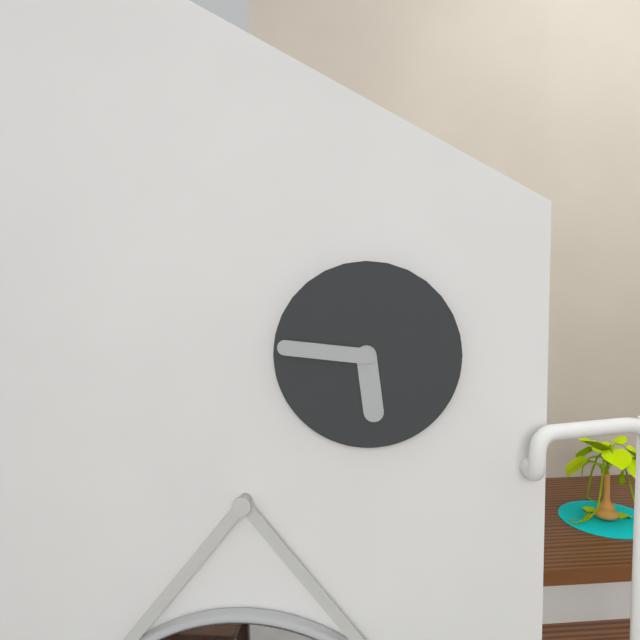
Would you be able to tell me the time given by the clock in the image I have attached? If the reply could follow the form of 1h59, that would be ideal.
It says 5h46
